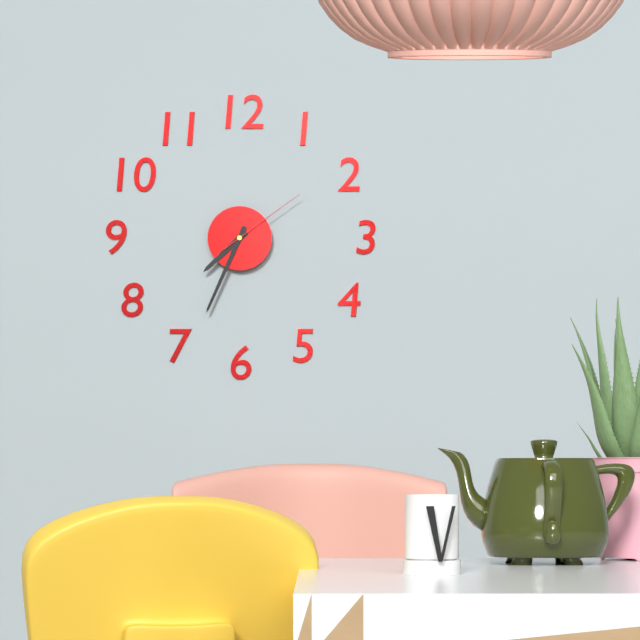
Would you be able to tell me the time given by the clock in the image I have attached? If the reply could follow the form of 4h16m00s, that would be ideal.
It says 7h34m09s
